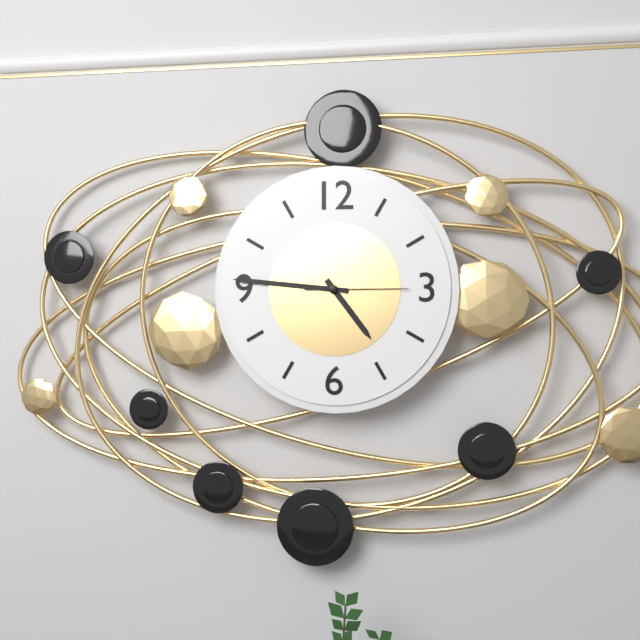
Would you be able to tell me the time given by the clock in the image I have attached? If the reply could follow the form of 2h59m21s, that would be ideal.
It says 4h46m15s
